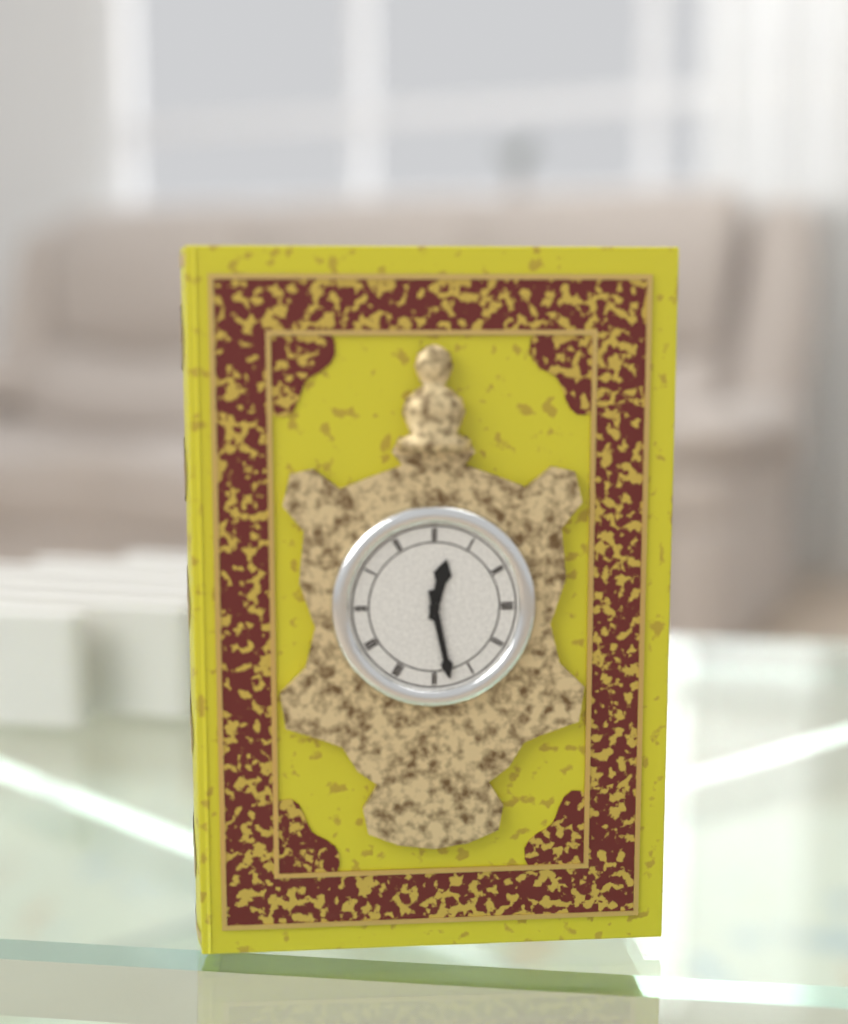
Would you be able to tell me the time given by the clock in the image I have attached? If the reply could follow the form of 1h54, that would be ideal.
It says 12h28
